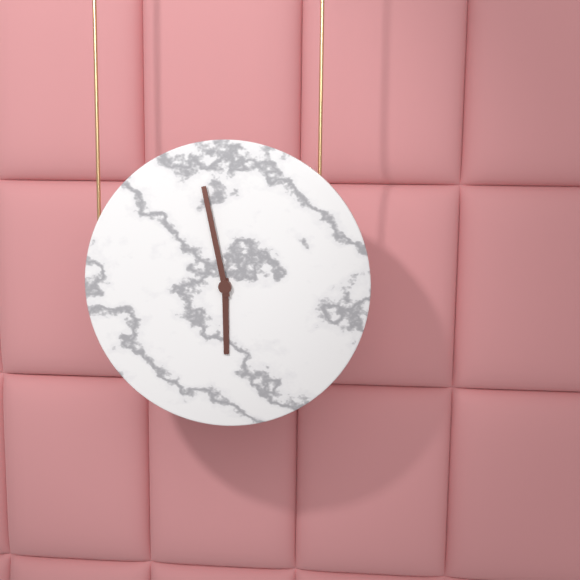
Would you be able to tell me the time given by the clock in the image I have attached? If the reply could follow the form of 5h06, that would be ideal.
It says 5h58
